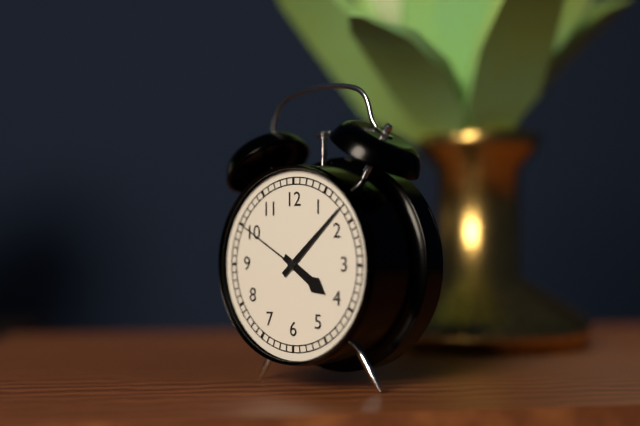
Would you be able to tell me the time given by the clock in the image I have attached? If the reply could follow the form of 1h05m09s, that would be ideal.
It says 4h08m50s
